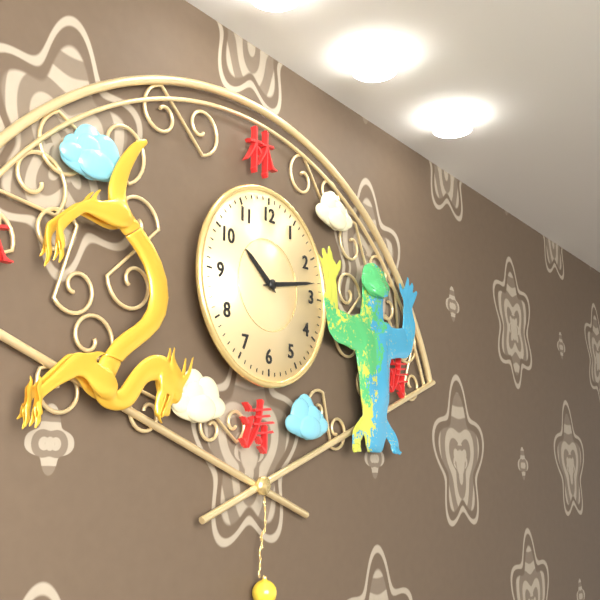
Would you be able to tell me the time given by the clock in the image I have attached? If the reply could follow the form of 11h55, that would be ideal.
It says 10h13
